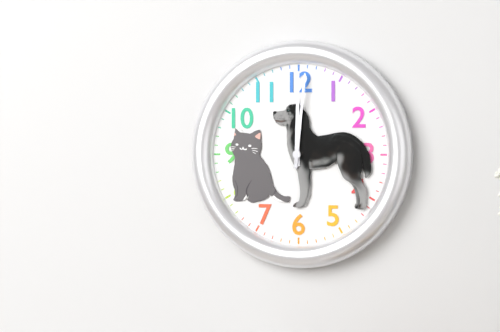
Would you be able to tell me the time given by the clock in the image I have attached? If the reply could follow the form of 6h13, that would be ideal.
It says 12h01
